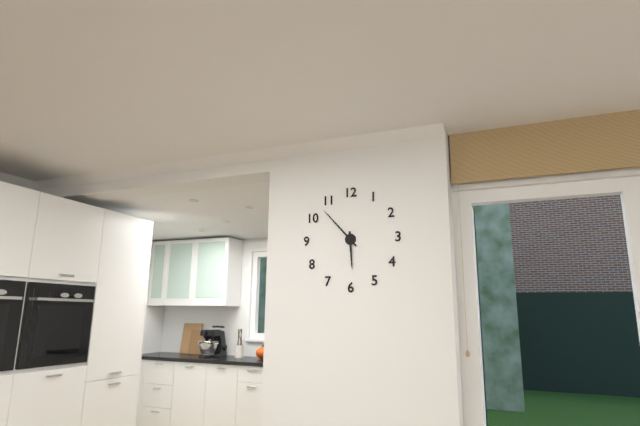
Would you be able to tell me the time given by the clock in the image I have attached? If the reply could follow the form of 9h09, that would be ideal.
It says 5h53
